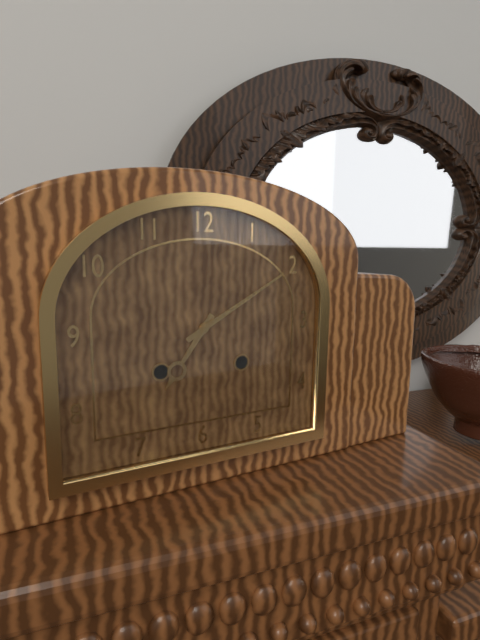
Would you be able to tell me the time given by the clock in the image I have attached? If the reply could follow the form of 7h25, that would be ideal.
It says 7h10
